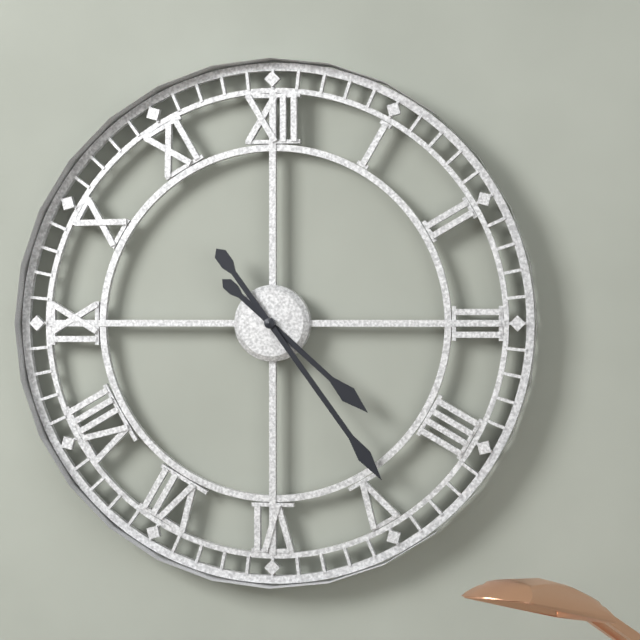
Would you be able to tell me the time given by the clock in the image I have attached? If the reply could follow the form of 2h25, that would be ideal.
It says 4h24
